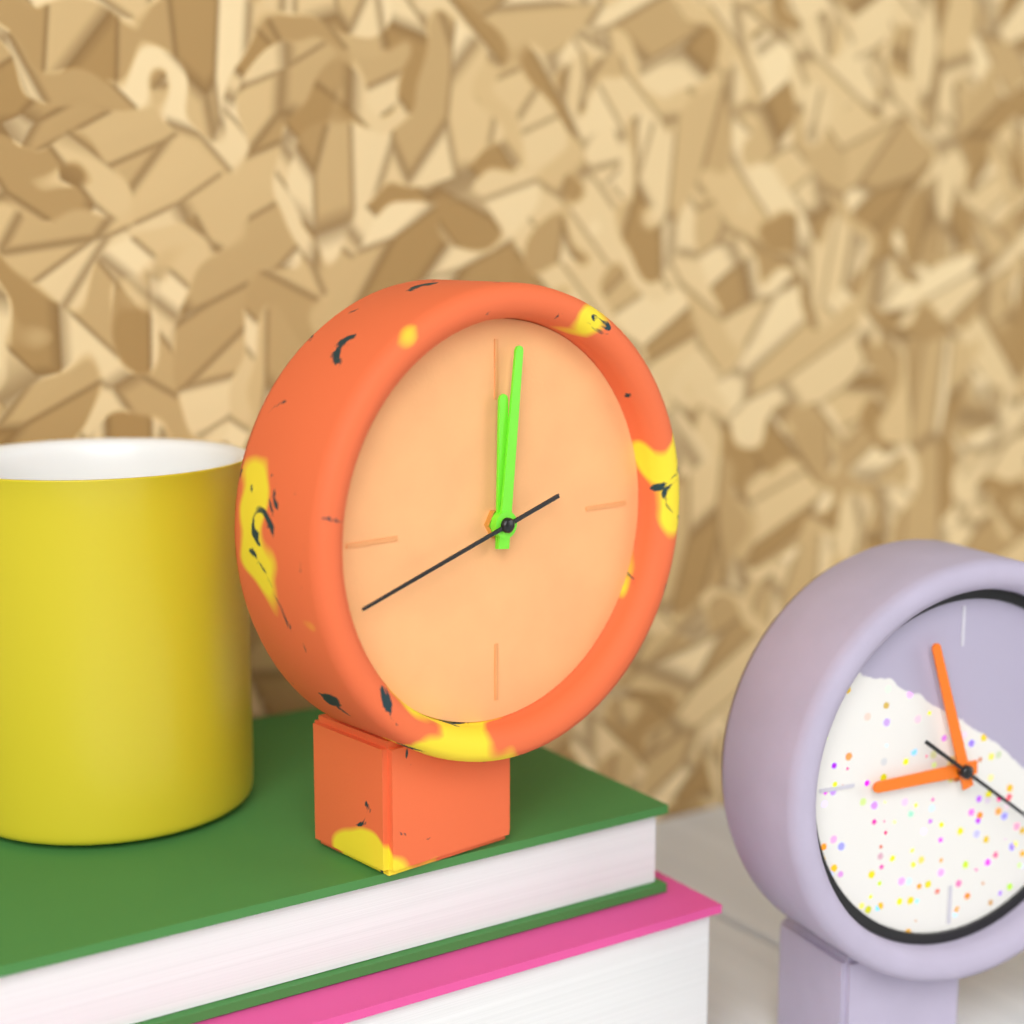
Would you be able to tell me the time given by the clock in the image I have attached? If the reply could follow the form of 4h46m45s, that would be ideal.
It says 12h01m42s
